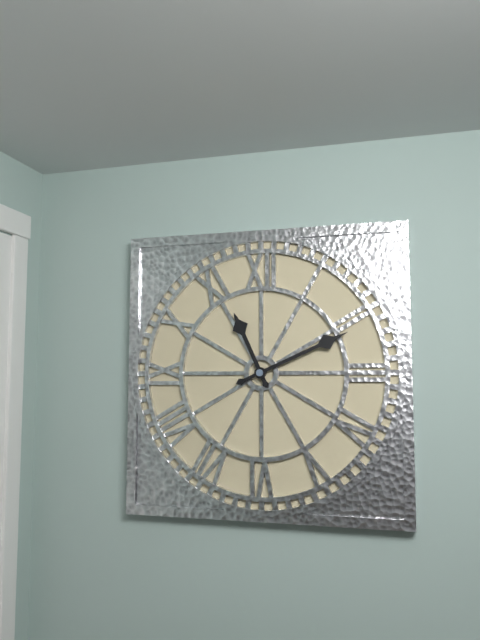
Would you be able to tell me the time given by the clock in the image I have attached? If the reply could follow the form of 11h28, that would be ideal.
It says 11h11
